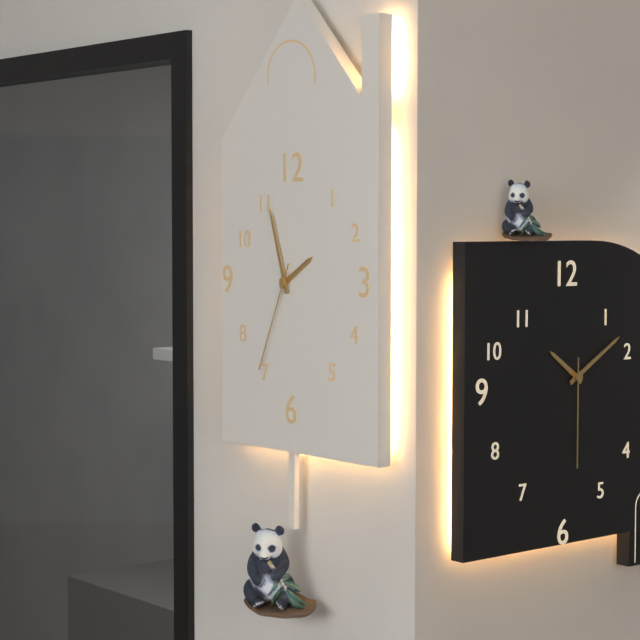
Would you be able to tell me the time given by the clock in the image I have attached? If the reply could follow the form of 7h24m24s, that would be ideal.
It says 1h57m34s
